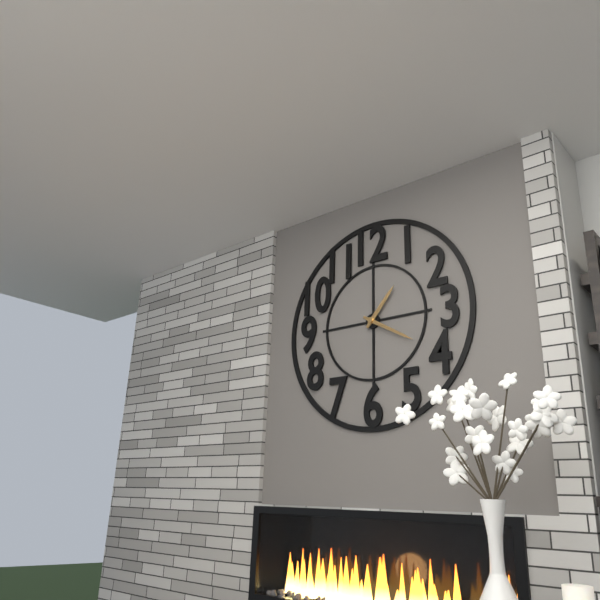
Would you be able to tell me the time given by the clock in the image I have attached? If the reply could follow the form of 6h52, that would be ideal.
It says 1h20
